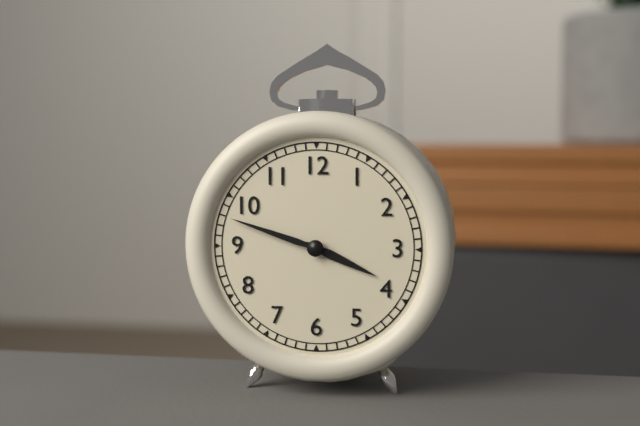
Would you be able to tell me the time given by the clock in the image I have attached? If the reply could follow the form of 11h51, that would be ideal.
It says 3h48
